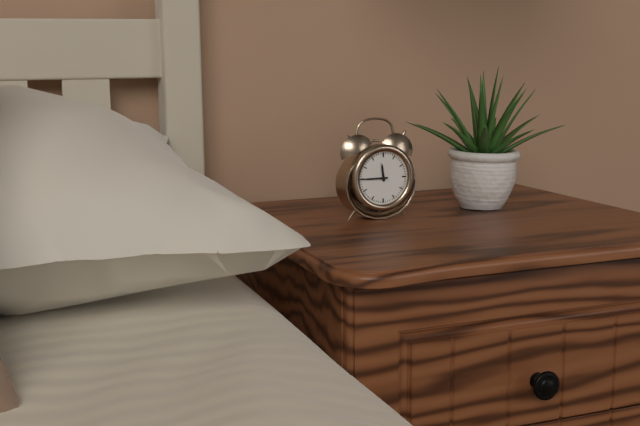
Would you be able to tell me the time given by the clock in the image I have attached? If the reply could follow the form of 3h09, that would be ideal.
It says 11h45
